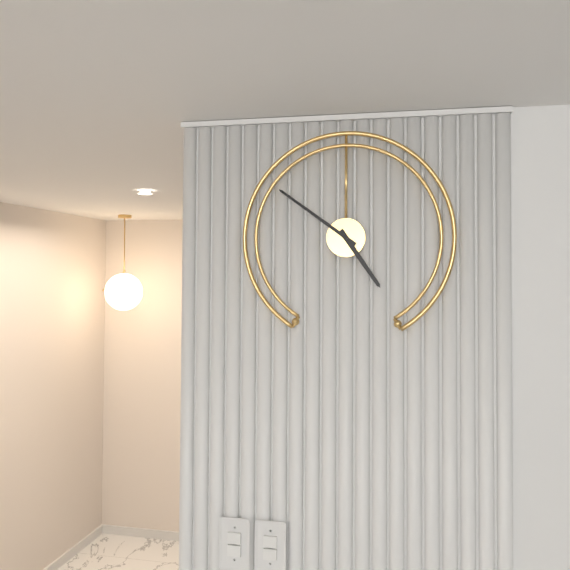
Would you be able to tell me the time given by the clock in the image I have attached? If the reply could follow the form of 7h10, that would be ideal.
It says 4h51
